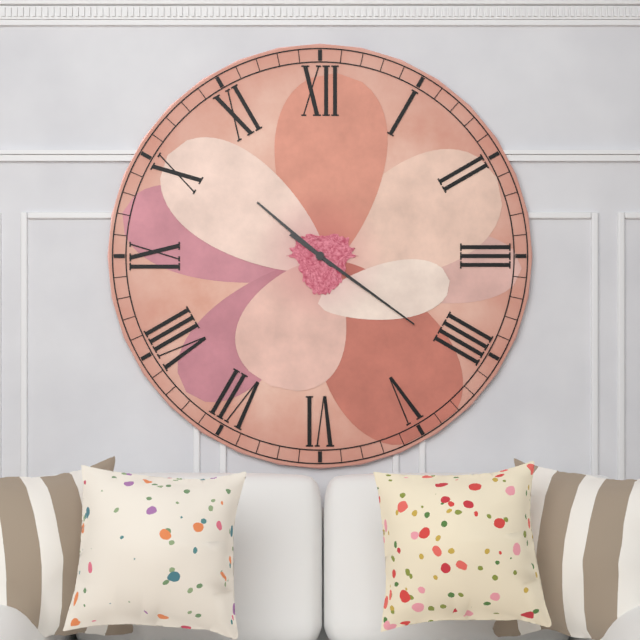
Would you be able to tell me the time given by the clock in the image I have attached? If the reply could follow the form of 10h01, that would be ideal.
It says 10h21
